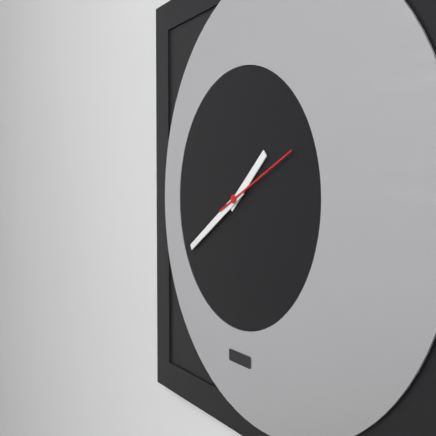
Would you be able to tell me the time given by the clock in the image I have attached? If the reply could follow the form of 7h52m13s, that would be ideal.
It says 1h40m11s
